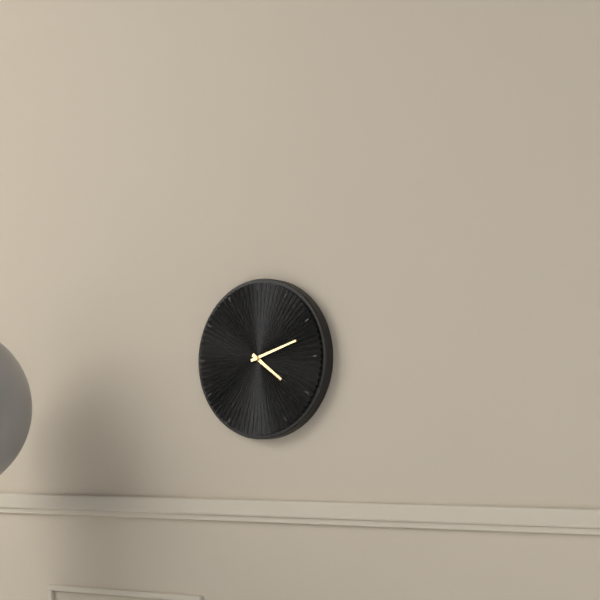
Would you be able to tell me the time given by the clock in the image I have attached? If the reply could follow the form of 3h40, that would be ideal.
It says 4h12
